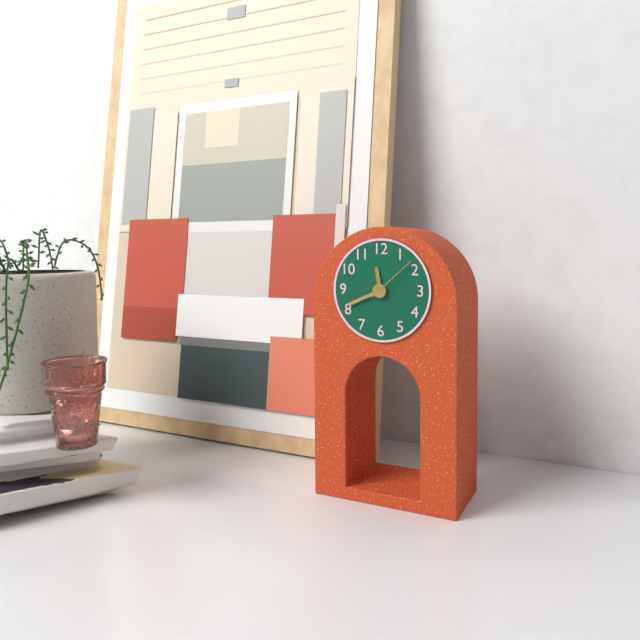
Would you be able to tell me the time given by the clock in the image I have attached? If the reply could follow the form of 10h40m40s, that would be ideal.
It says 11h41m08s
